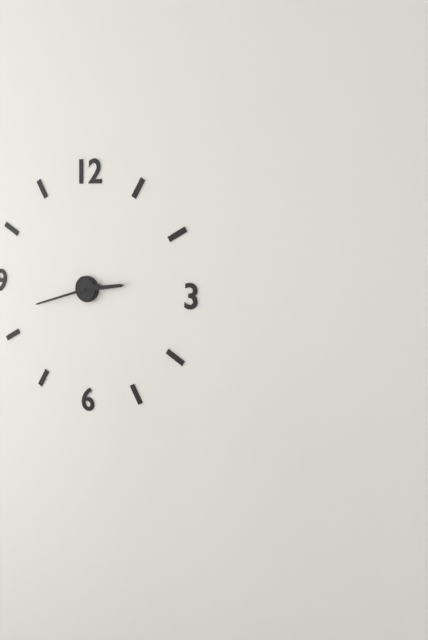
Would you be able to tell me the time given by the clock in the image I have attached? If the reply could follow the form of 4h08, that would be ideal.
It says 2h42
